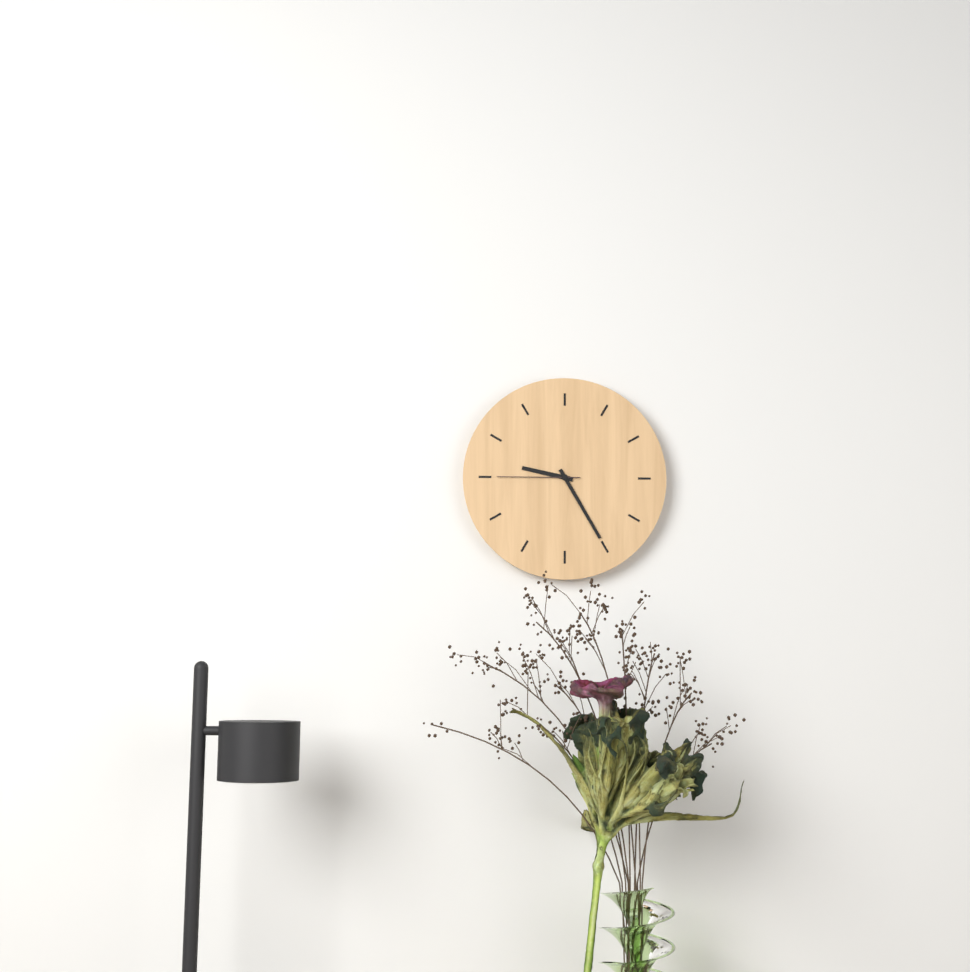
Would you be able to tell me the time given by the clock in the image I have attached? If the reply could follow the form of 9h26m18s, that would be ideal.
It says 9h25m45s
